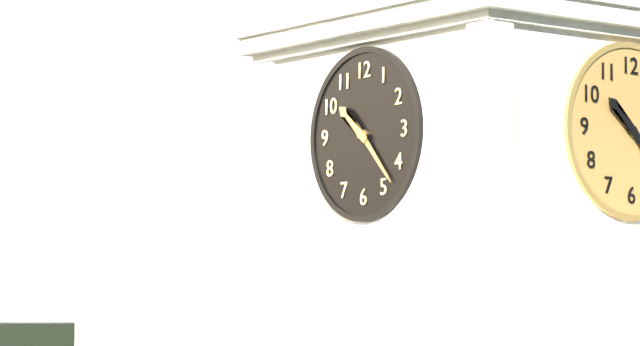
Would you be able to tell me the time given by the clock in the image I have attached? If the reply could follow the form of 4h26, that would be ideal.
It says 10h23
